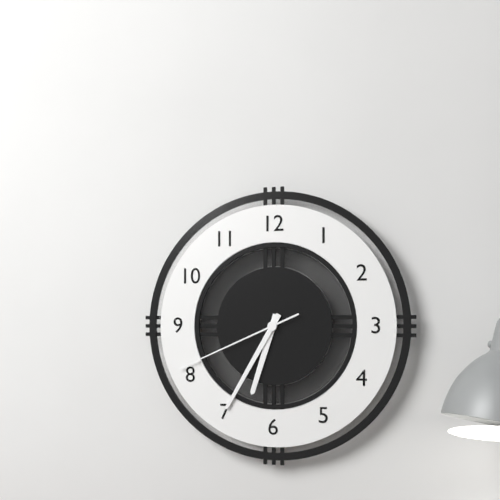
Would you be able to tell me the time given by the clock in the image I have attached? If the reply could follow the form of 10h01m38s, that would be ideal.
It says 6h35m41s
